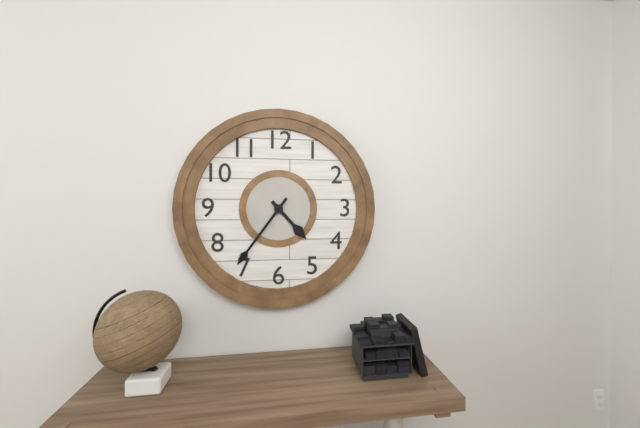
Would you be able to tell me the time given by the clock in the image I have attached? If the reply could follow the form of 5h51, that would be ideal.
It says 4h36
